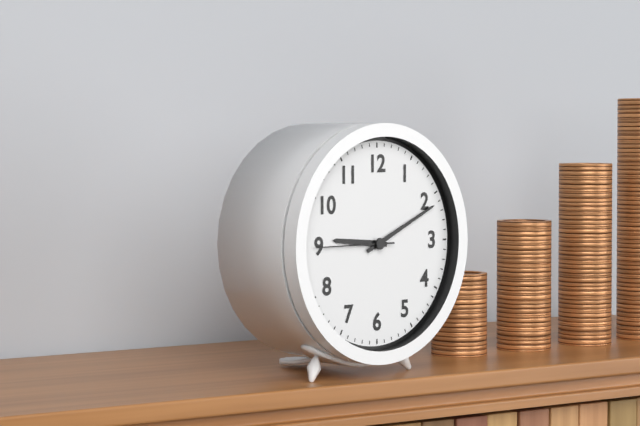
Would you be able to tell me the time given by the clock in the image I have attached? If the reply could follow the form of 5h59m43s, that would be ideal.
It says 9h11m45s
